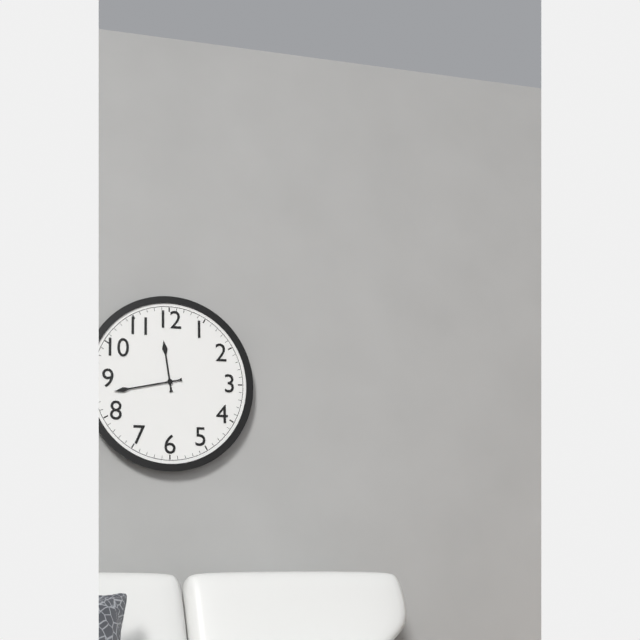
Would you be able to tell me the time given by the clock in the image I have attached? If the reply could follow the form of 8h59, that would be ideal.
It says 11h43
